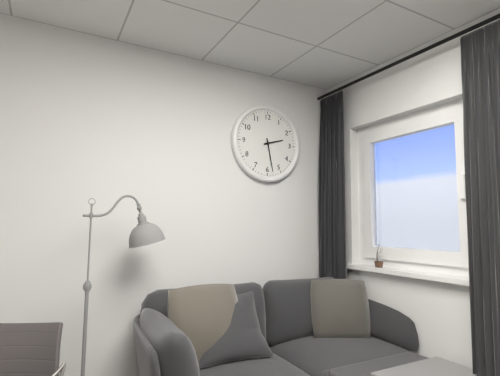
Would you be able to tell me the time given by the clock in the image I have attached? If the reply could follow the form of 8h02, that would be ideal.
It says 2h28
